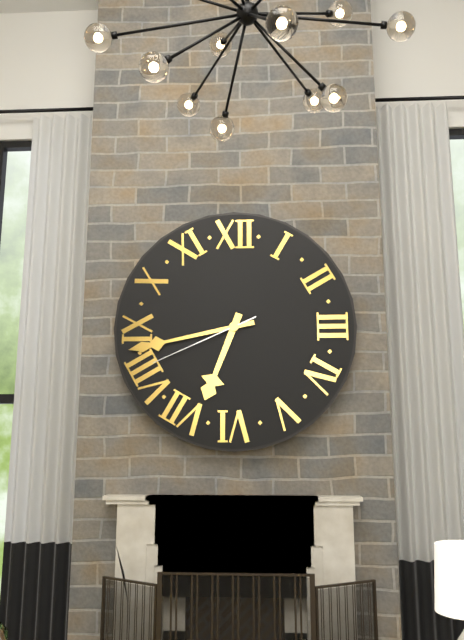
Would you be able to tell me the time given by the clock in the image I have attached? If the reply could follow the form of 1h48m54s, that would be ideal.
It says 6h43m41s
